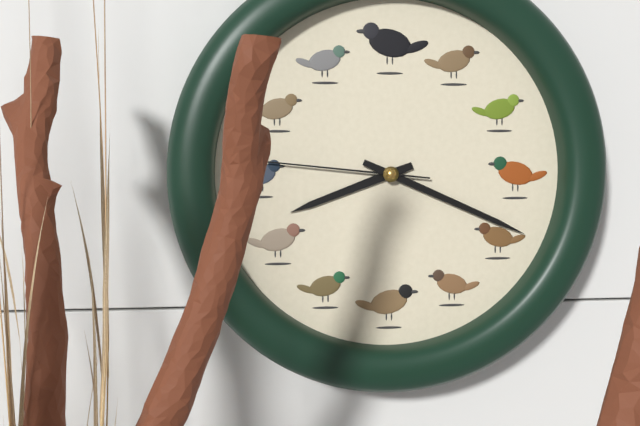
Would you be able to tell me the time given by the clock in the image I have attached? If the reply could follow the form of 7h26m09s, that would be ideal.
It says 8h19m46s
